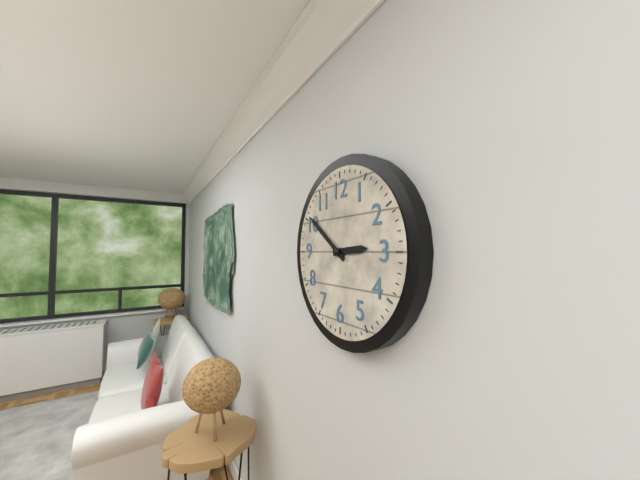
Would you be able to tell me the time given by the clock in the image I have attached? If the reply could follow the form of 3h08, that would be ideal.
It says 2h51
